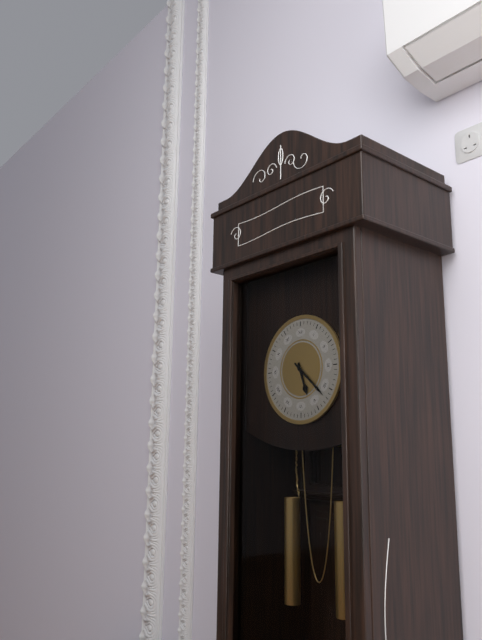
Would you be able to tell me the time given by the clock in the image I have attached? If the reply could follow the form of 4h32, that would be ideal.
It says 5h22
